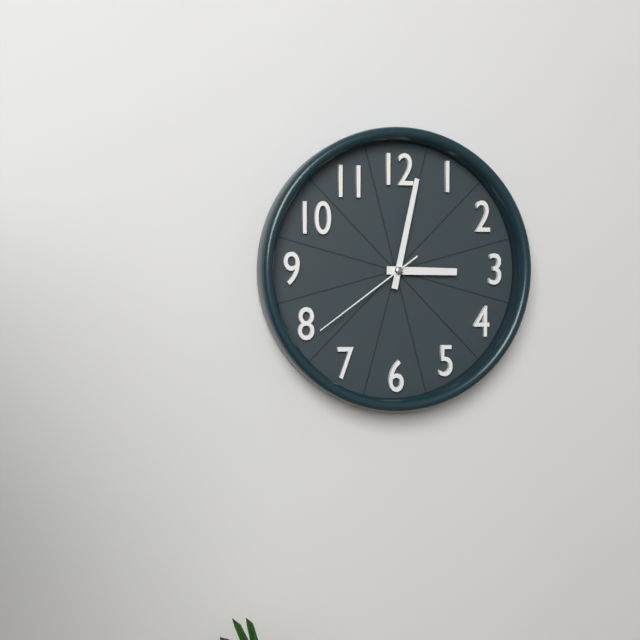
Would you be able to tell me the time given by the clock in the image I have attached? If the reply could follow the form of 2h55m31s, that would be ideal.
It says 3h02m39s
